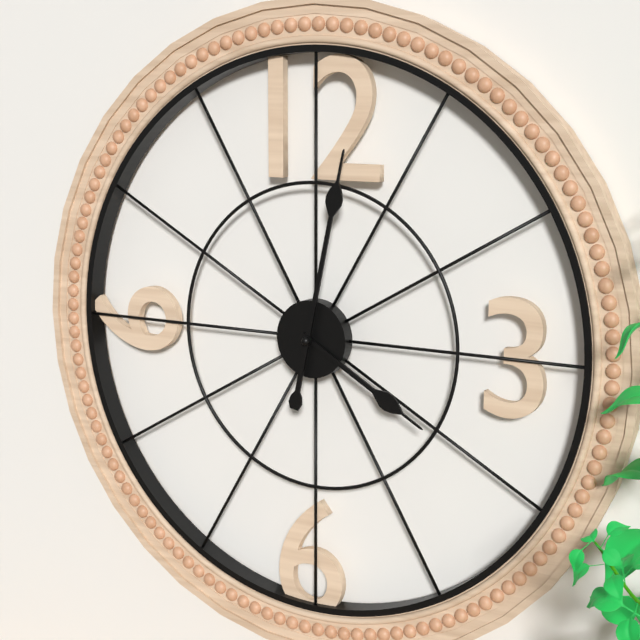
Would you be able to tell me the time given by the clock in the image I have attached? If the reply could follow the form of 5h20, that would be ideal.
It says 4h02
